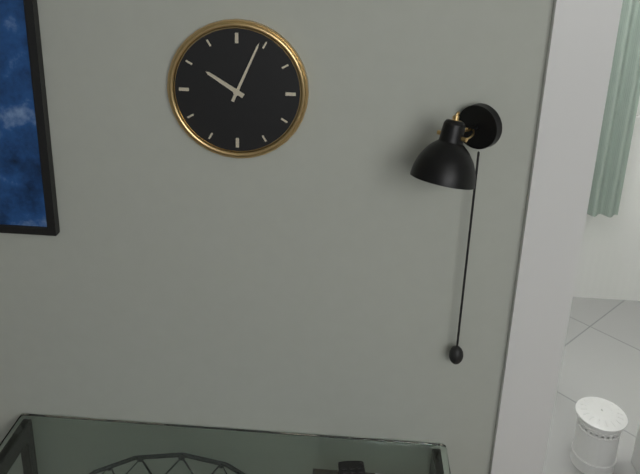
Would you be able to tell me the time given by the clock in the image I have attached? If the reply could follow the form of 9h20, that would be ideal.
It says 10h04
